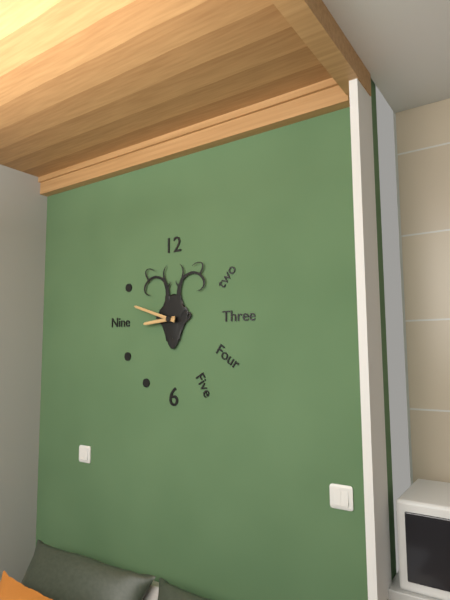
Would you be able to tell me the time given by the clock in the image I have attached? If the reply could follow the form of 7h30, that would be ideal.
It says 8h48
